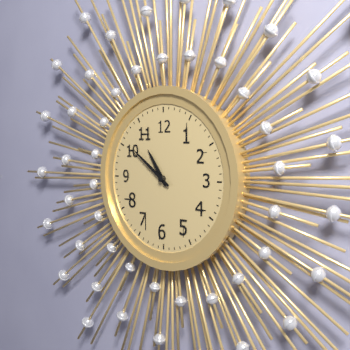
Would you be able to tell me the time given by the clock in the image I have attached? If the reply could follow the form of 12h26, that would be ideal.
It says 10h51
